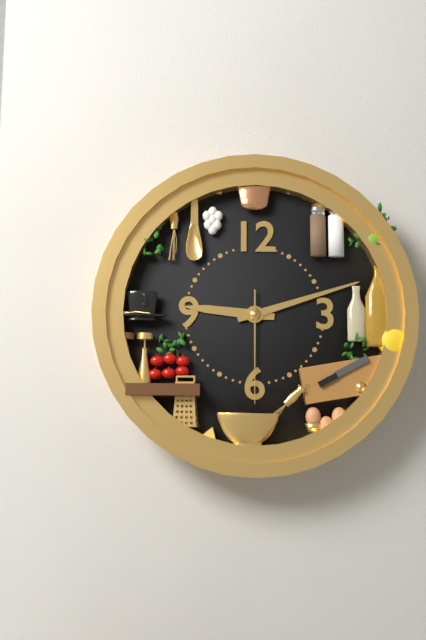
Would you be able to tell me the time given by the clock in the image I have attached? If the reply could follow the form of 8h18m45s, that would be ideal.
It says 9h12m30s
